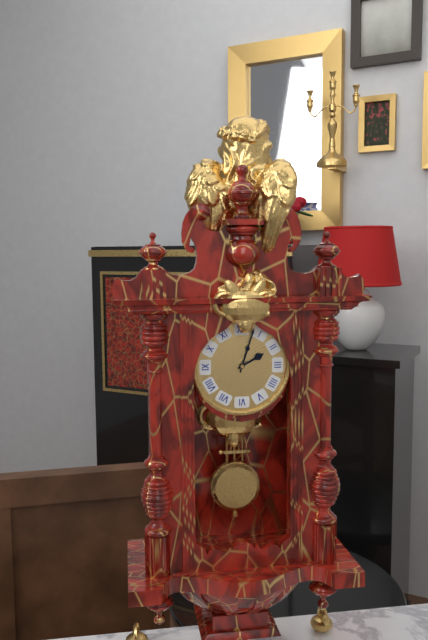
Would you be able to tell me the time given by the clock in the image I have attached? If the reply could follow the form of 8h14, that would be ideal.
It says 2h03
